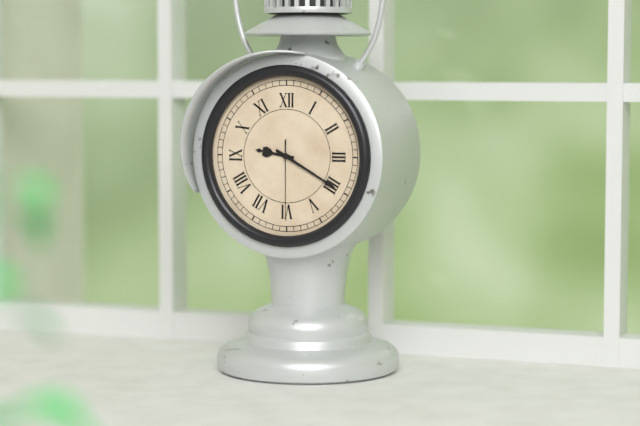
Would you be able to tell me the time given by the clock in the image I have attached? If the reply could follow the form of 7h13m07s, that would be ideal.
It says 9h20m30s
